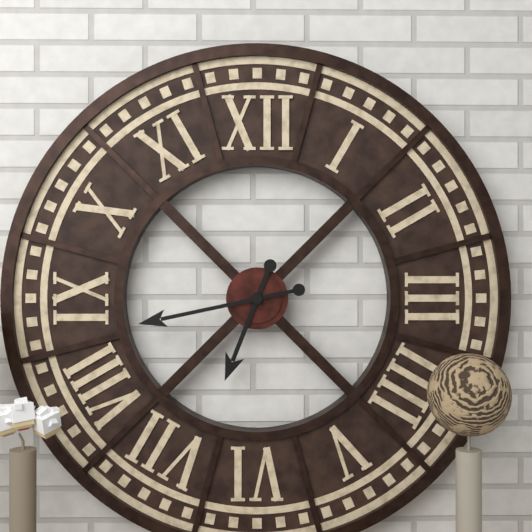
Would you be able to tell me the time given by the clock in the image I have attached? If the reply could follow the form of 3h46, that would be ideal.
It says 6h43
